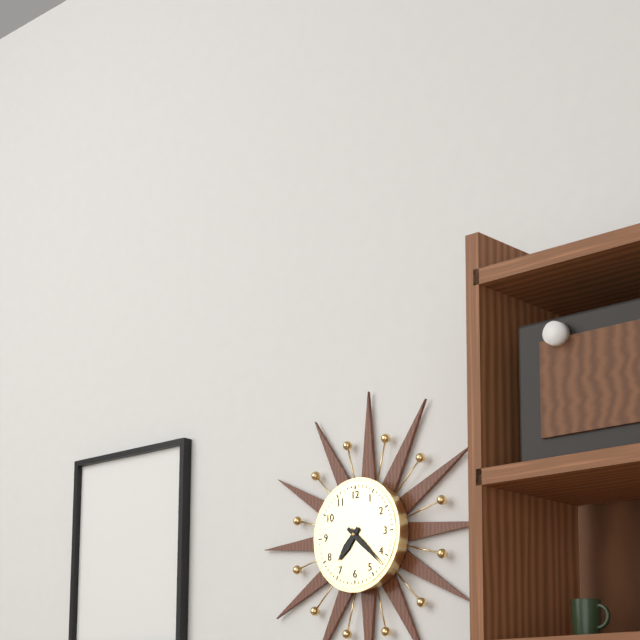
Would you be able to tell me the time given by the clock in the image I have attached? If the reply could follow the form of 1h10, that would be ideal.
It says 7h22
